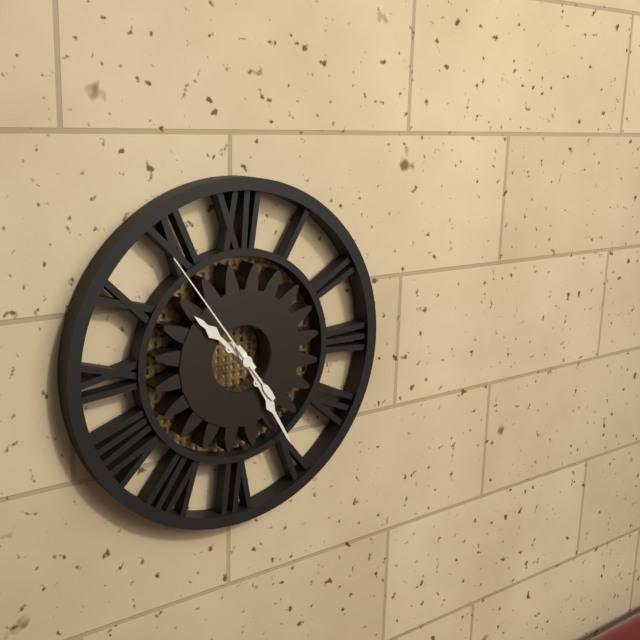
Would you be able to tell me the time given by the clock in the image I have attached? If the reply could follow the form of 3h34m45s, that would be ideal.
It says 10h25m54s
